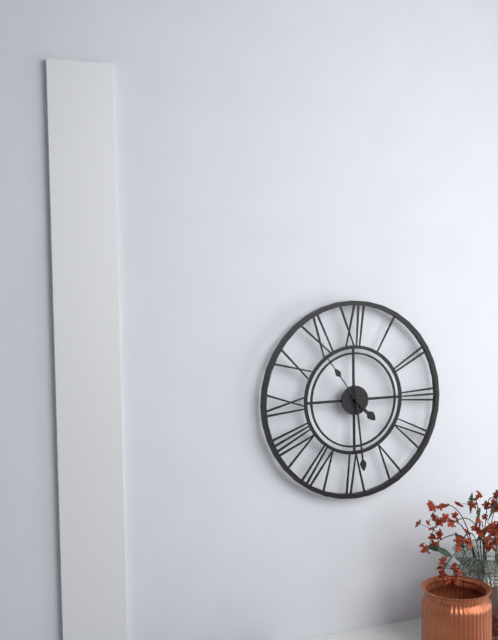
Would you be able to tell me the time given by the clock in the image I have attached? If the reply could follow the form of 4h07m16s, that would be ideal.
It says 4h29m54s
